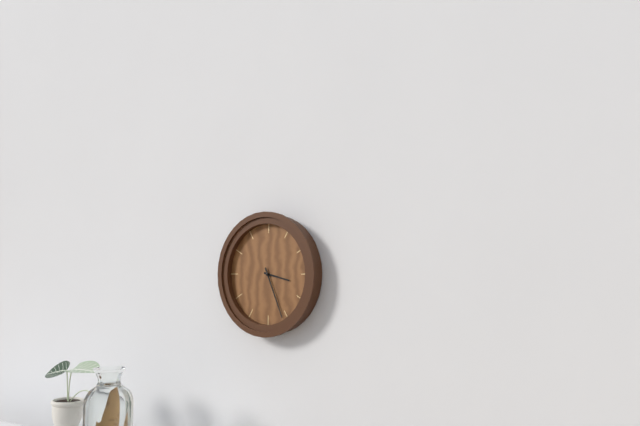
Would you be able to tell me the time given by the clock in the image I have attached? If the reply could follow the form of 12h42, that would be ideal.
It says 3h26
